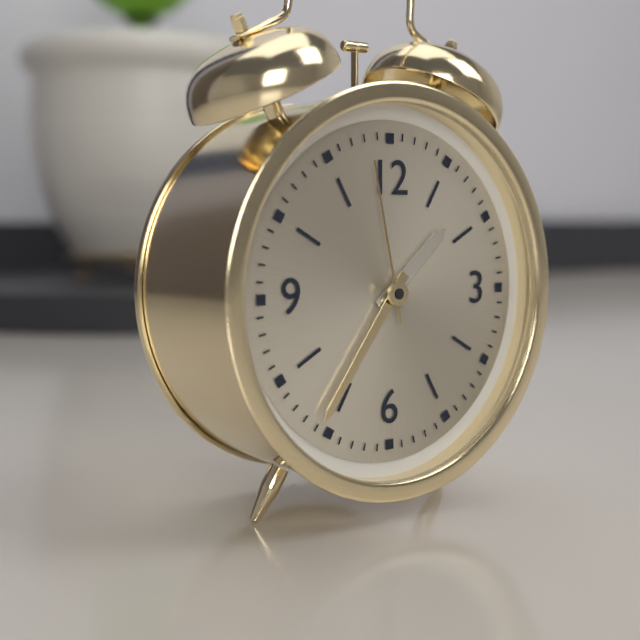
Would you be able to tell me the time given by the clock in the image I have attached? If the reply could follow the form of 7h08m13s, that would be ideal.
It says 1h36m58s
